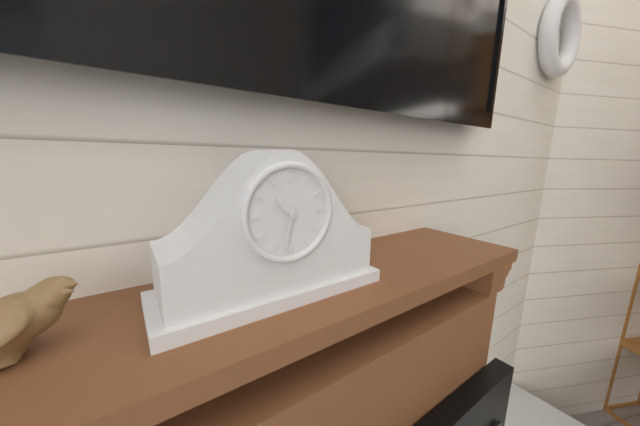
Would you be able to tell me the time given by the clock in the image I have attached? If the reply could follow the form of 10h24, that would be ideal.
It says 10h32
